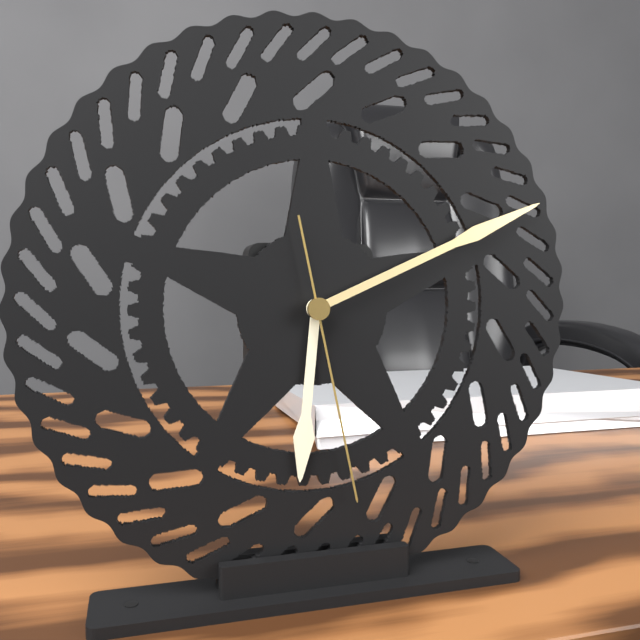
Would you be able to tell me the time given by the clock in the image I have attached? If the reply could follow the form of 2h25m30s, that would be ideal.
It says 6h11m28s
